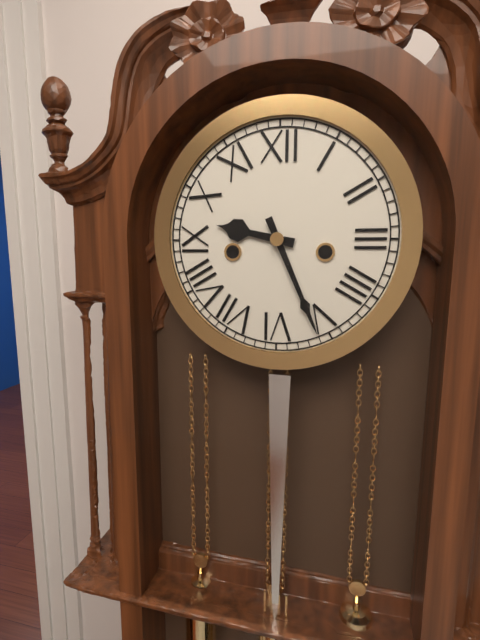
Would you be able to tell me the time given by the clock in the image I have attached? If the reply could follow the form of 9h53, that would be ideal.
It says 9h26
